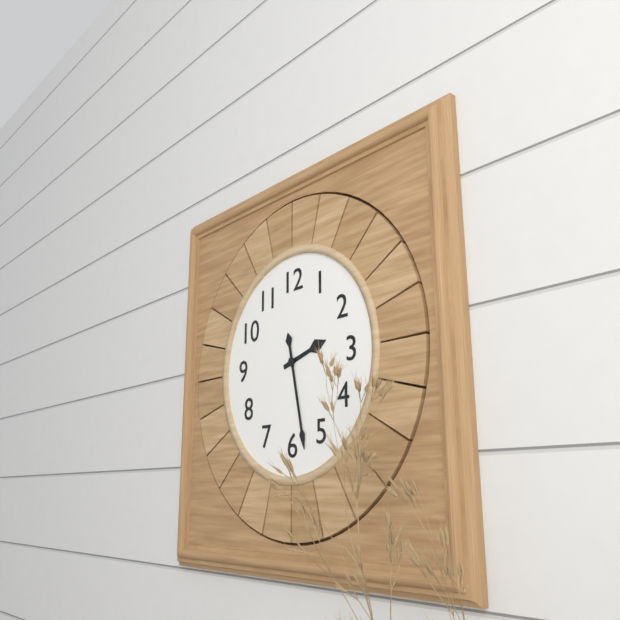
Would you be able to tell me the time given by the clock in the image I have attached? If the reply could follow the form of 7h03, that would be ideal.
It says 2h28
